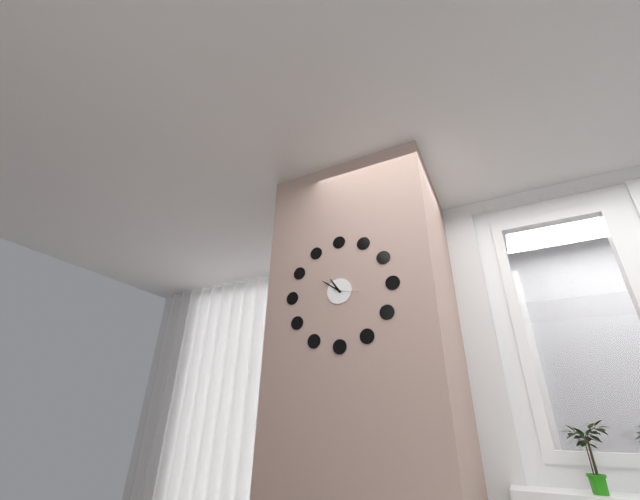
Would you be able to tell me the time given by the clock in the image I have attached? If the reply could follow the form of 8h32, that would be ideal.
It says 10h51
